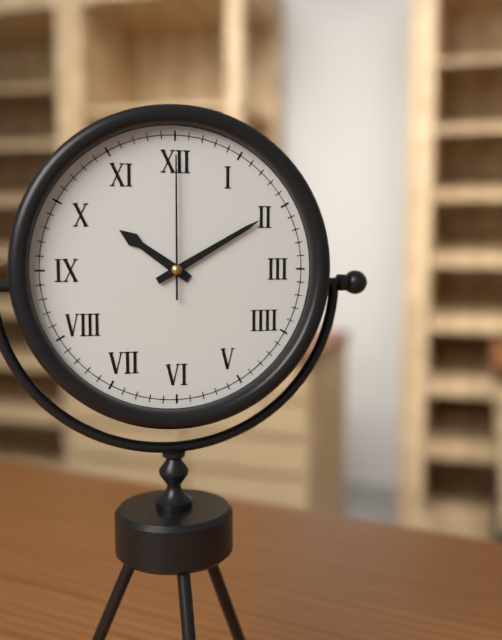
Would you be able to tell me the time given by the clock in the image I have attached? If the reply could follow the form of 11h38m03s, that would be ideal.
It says 10h10m00s
